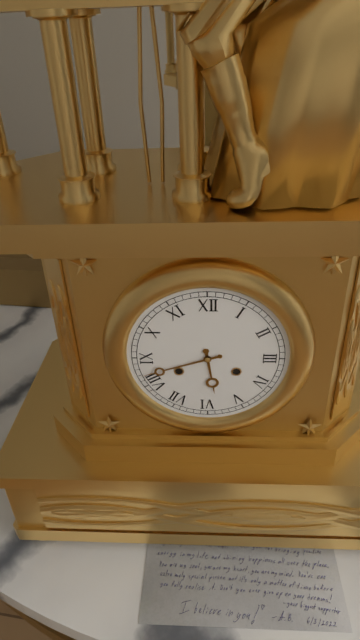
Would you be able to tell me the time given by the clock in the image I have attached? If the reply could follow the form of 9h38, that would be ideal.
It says 5h42
